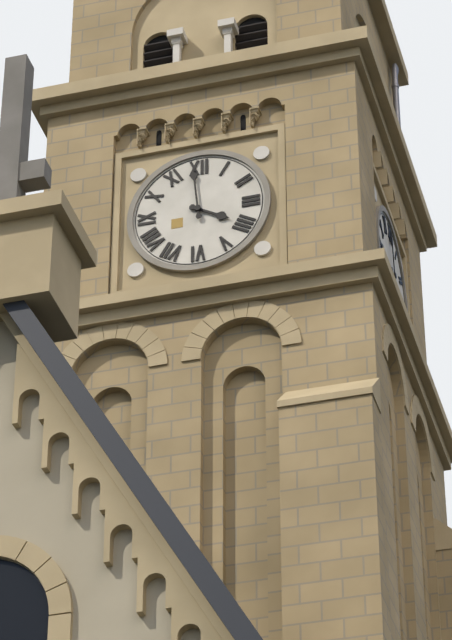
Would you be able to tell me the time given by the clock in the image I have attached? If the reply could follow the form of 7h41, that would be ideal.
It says 3h59
